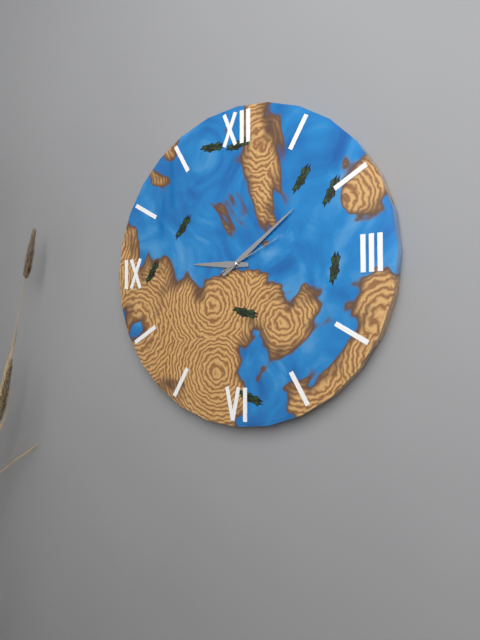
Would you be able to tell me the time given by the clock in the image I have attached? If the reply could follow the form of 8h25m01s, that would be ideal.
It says 9h09m11s
